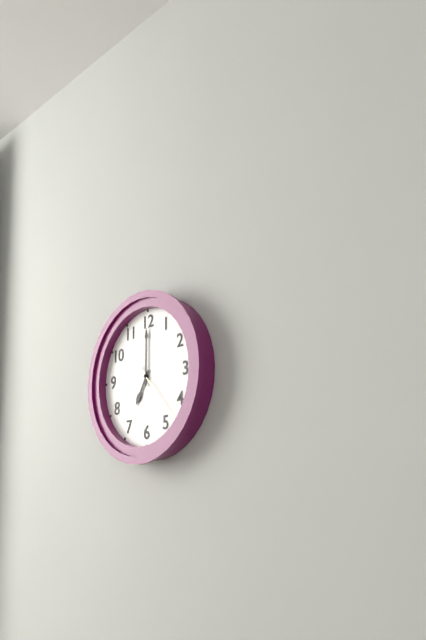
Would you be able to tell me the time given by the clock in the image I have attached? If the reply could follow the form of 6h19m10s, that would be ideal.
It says 7h00m23s
